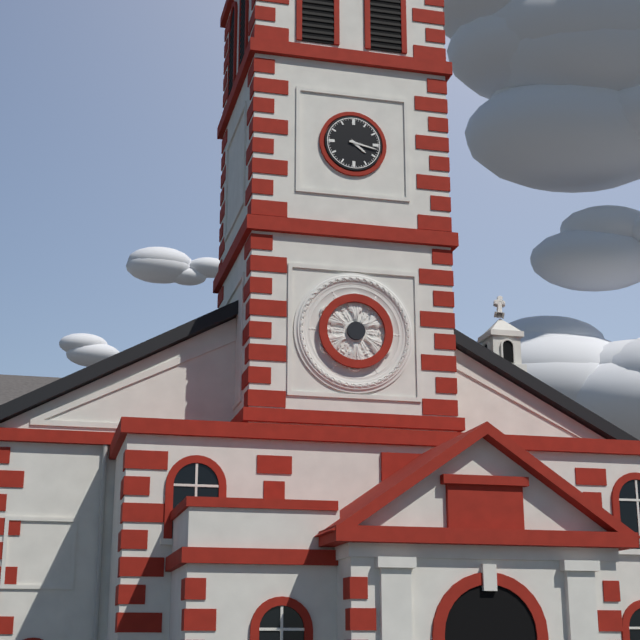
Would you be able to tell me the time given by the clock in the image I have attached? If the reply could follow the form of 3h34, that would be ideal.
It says 4h17
